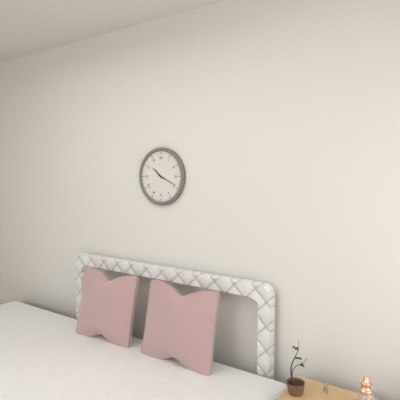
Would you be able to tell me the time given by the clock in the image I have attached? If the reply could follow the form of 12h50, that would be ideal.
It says 10h19
